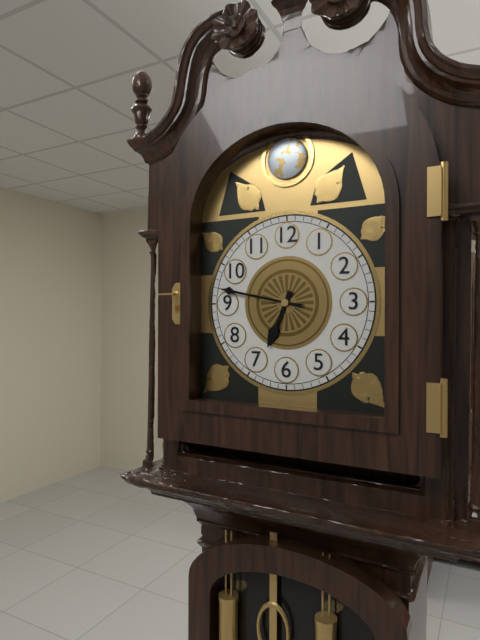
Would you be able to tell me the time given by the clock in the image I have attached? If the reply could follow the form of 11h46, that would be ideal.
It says 6h47
